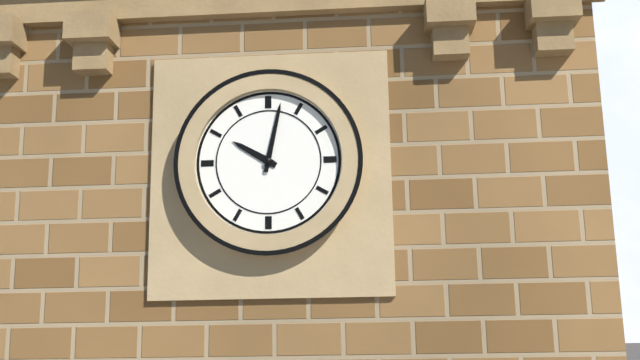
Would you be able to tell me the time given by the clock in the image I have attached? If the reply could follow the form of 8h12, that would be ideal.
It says 10h02
